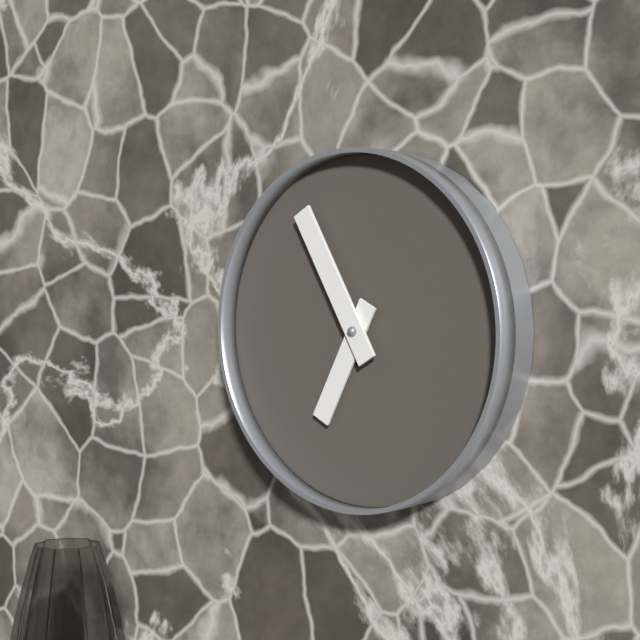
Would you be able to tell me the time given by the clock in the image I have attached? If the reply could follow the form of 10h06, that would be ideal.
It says 6h55
